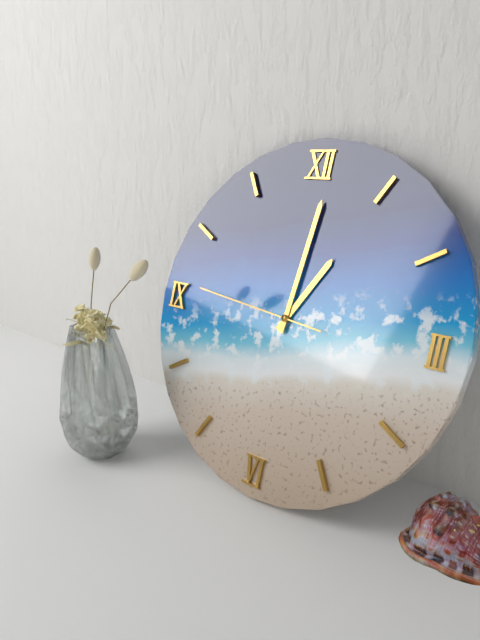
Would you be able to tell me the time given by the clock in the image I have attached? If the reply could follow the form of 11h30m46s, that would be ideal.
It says 1h01m46s
